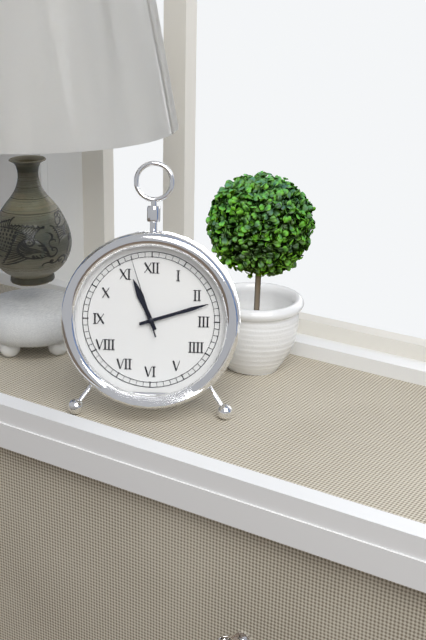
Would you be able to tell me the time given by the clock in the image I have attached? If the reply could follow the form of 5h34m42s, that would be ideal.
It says 11h12m57s
